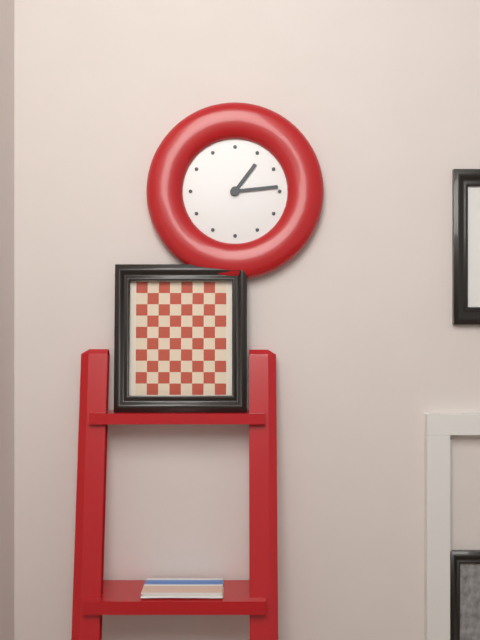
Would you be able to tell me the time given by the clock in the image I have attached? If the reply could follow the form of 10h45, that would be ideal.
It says 1h14
